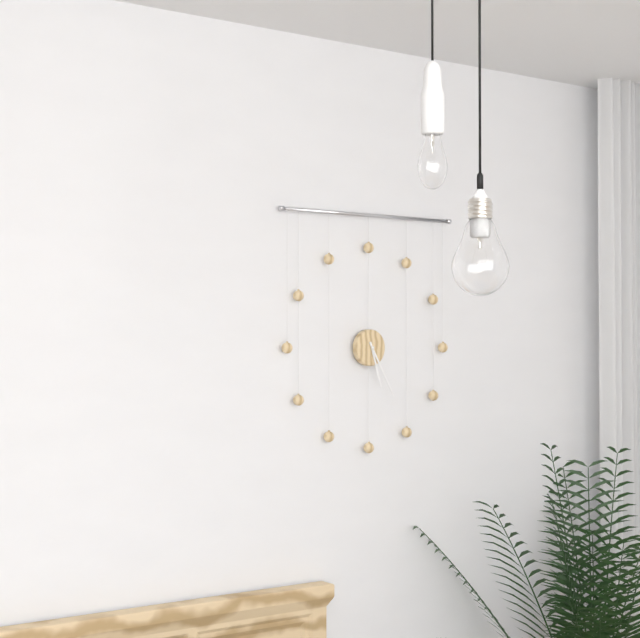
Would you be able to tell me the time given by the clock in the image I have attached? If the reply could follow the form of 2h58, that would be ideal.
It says 5h25
